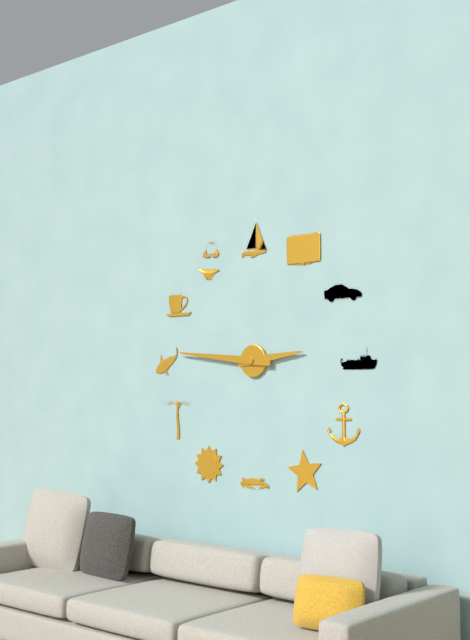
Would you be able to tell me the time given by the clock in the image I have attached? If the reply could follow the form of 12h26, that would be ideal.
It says 2h46
